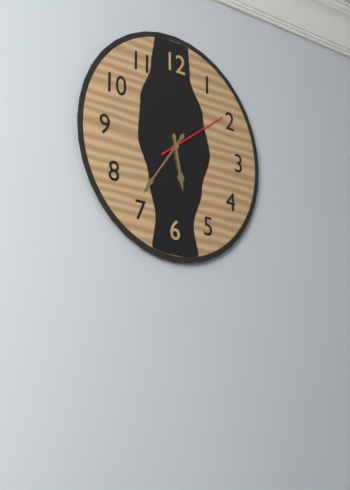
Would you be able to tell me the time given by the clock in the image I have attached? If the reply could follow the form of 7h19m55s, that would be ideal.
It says 5h36m09s
